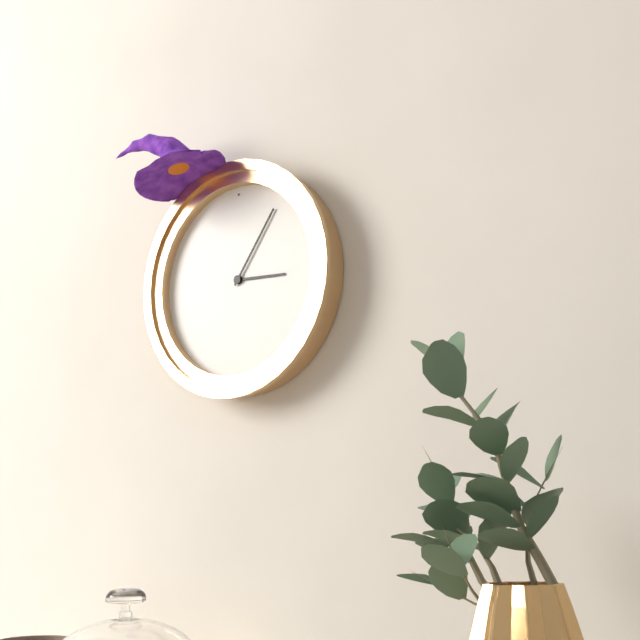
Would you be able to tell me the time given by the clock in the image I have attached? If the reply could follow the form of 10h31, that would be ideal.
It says 3h06
